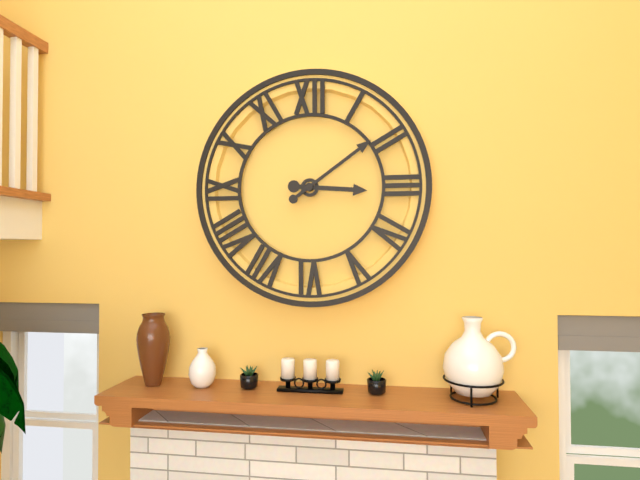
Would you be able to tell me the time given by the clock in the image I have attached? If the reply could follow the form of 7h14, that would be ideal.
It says 3h09
